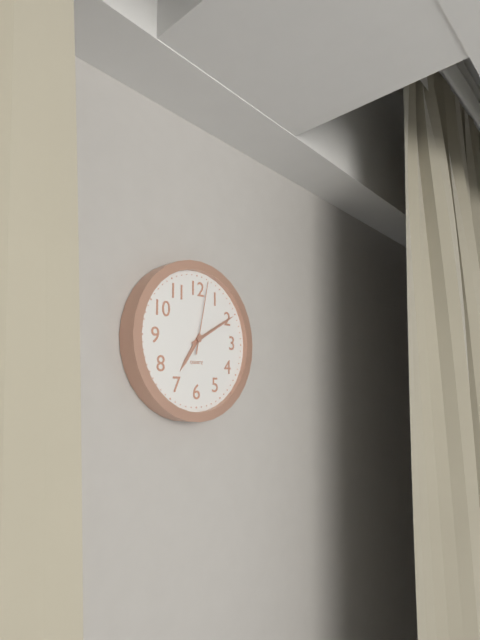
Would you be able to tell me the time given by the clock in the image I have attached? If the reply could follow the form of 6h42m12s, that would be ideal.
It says 7h10m02s
